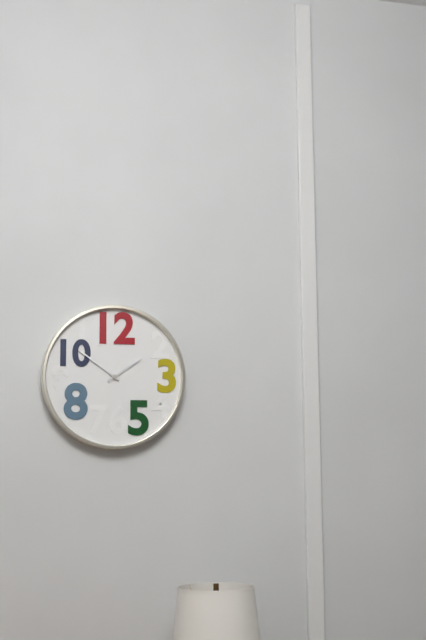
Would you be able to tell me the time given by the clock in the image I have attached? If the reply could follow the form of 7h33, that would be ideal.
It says 1h51
